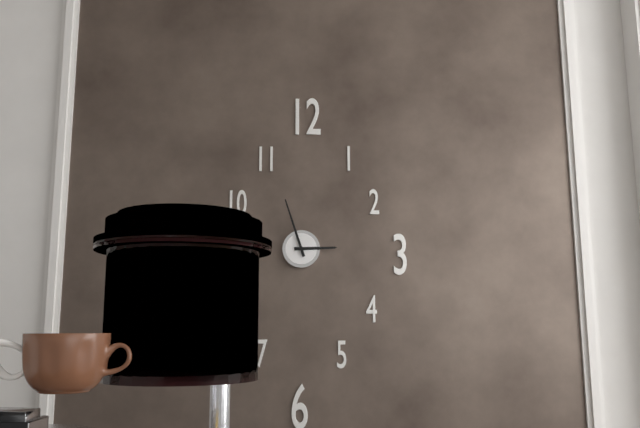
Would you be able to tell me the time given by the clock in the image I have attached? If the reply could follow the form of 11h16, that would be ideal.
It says 2h57
